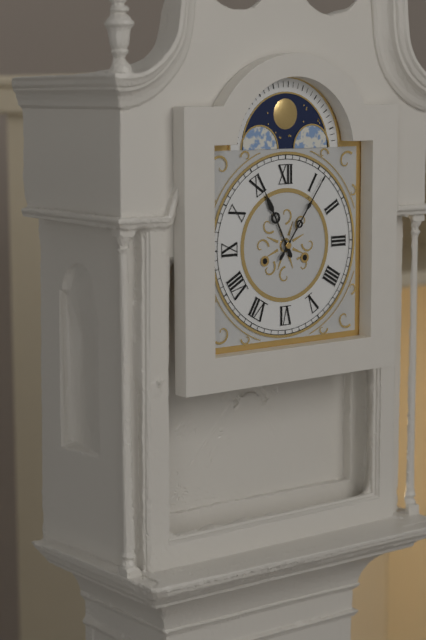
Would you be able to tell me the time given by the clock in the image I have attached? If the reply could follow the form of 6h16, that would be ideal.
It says 11h06
